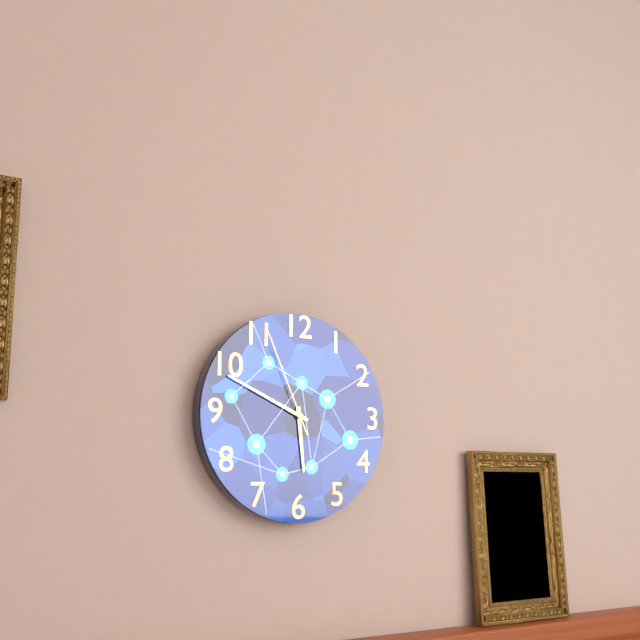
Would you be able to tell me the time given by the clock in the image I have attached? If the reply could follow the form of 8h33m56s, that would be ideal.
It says 5h49m56s
